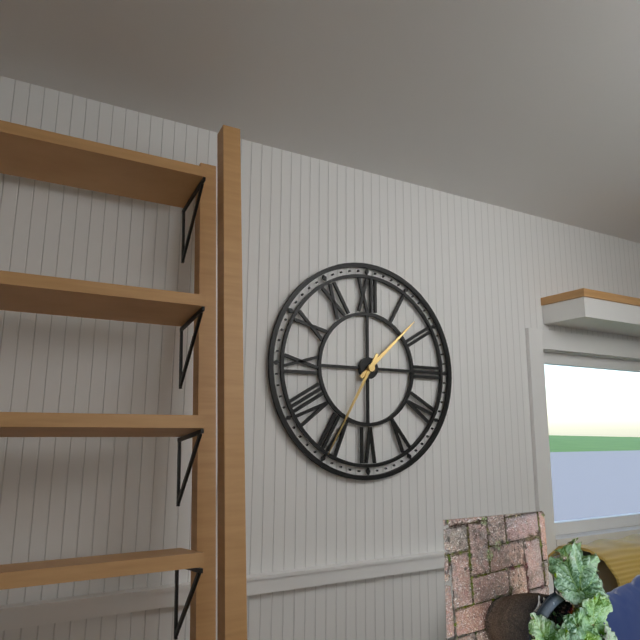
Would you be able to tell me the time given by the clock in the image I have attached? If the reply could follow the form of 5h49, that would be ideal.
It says 1h35
